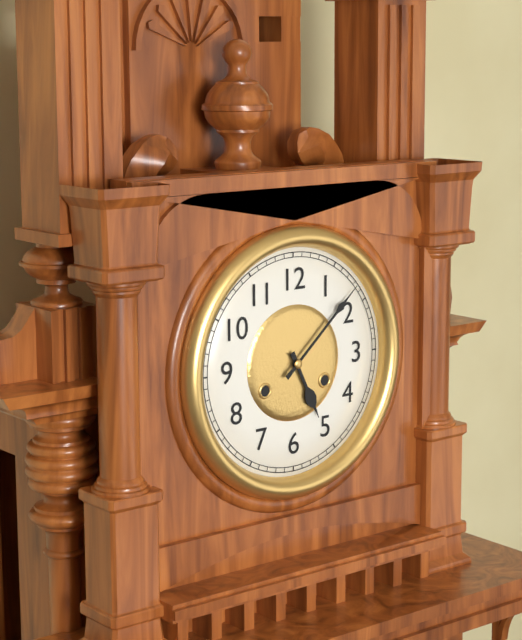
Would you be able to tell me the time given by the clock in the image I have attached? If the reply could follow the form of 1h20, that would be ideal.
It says 5h08
